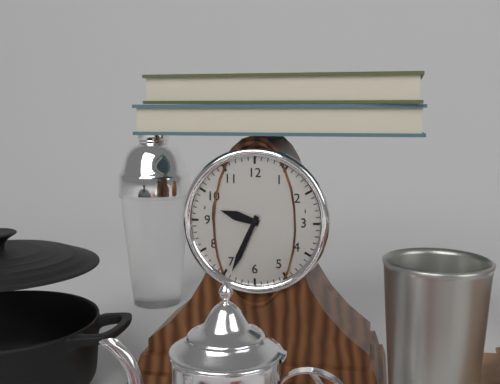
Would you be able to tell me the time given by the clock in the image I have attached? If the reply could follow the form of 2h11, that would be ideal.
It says 9h34
